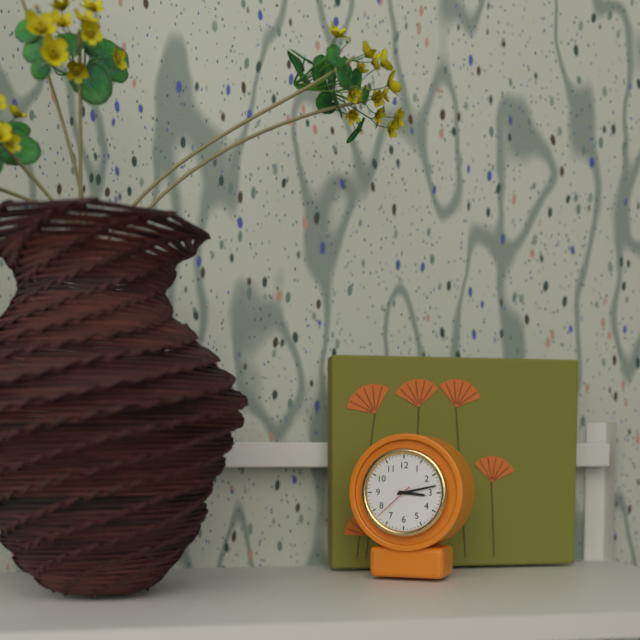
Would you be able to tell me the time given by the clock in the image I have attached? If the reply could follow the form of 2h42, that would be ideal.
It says 3h13
